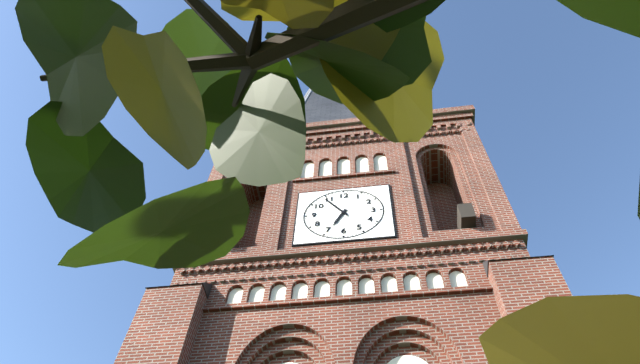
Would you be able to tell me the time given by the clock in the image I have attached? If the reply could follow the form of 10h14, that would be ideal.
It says 6h54
